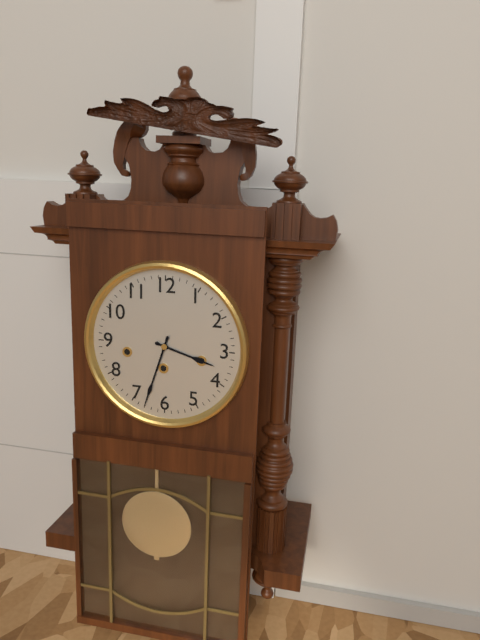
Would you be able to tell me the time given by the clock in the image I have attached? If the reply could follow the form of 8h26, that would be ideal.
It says 3h33
